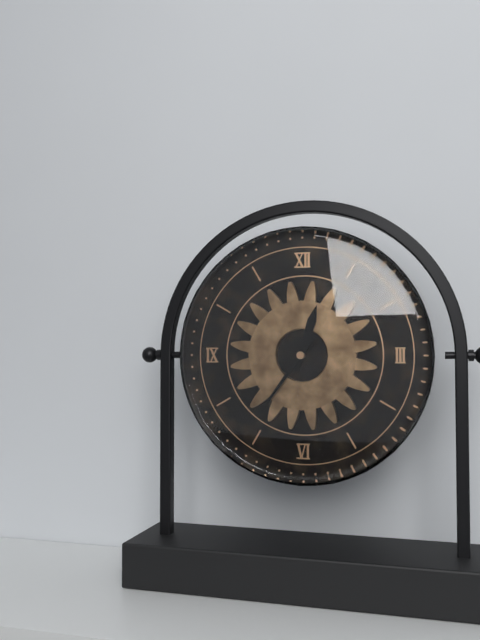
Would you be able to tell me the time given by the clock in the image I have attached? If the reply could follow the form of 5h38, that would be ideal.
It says 12h36
